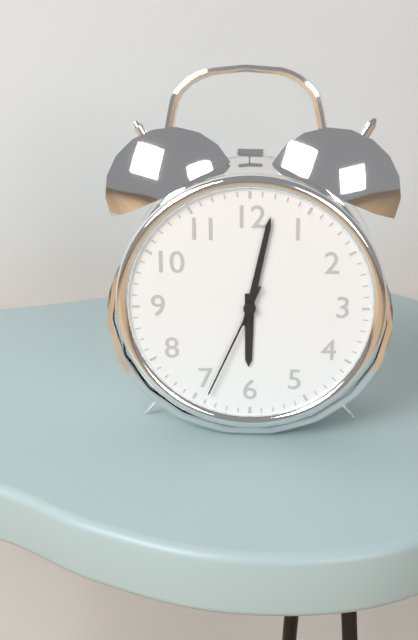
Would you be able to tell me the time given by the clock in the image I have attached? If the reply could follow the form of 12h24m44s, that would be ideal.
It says 6h02m34s
